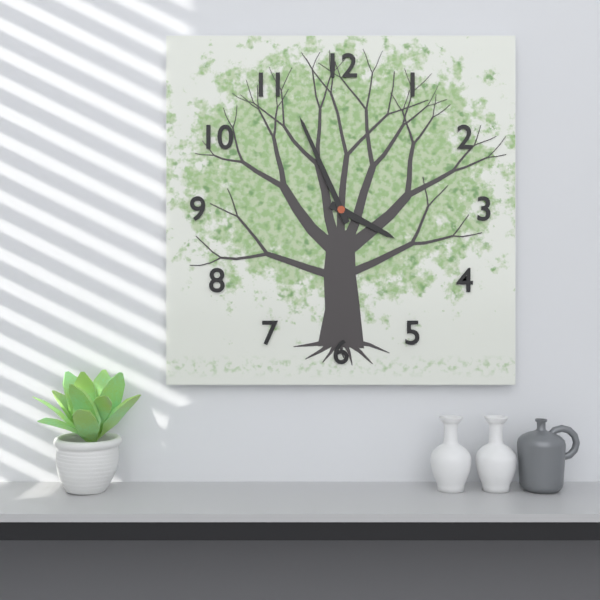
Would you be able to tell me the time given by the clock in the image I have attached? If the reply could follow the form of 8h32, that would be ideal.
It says 3h56
